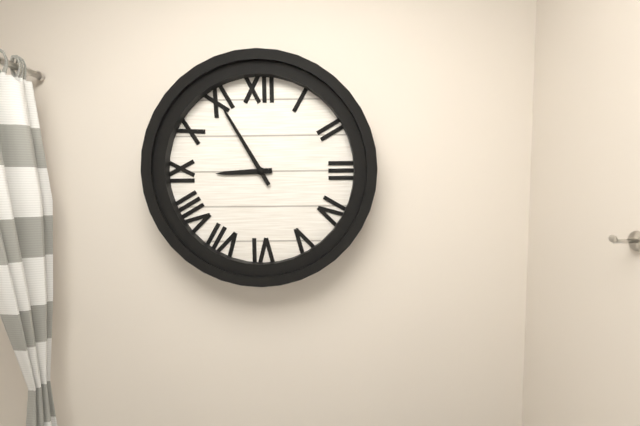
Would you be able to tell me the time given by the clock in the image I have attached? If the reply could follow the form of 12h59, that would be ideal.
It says 8h55
